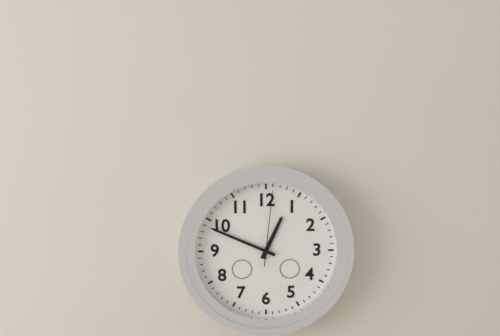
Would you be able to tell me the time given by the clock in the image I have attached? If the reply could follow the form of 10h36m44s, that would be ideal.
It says 12h49m01s
